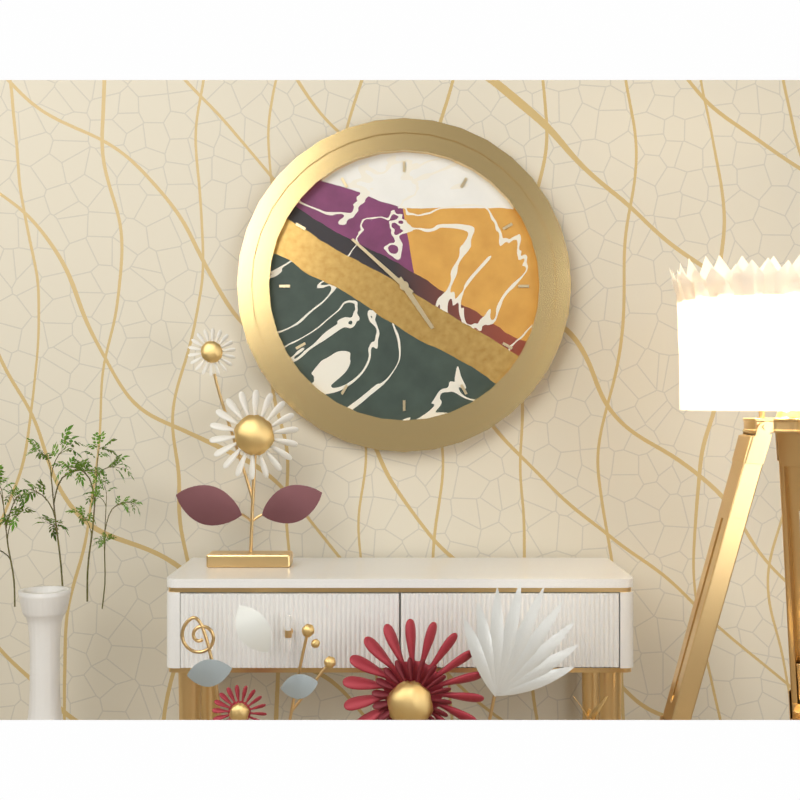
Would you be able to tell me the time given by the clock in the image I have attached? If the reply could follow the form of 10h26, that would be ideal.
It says 4h52
